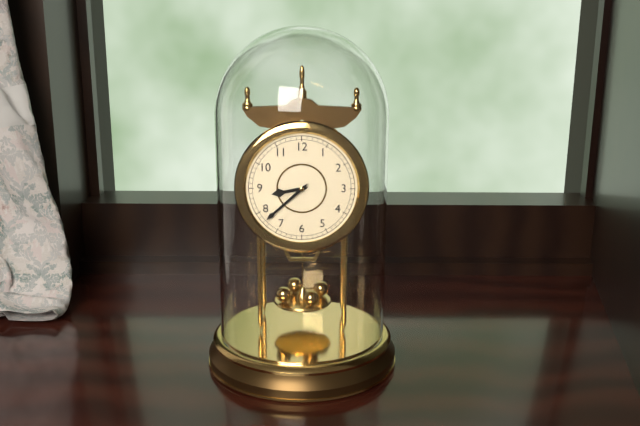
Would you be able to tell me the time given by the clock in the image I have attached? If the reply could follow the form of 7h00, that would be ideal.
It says 8h38
